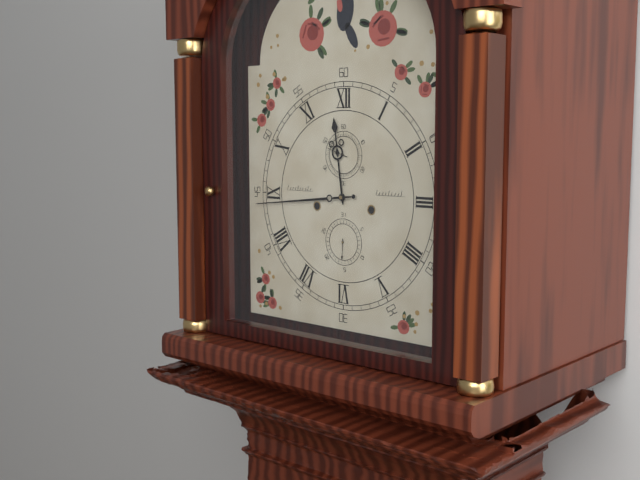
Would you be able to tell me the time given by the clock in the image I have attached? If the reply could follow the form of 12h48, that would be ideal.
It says 11h44
